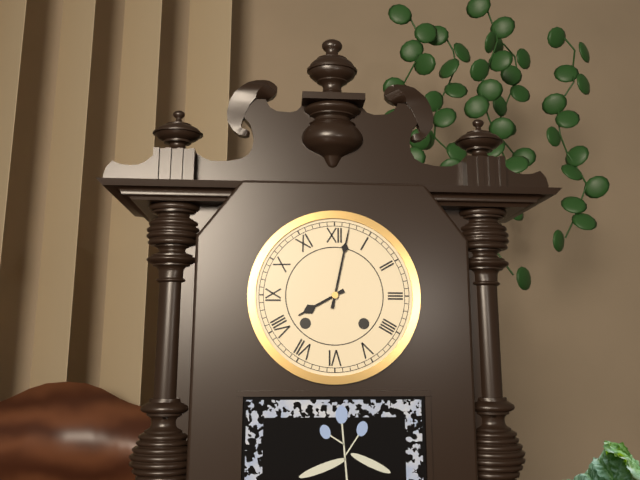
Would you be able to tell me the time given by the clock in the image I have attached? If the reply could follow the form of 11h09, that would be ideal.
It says 8h02
